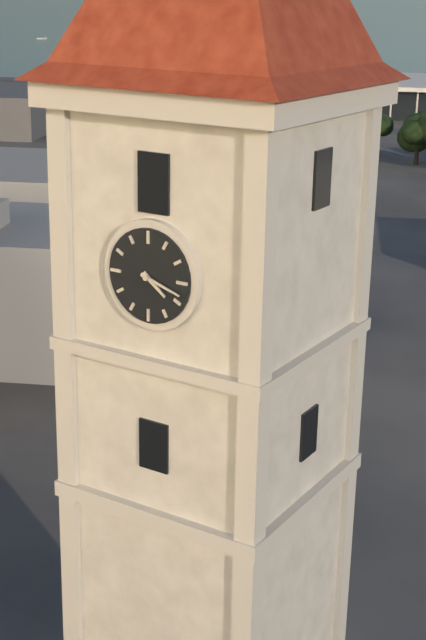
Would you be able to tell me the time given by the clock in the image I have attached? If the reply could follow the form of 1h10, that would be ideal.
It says 4h18
